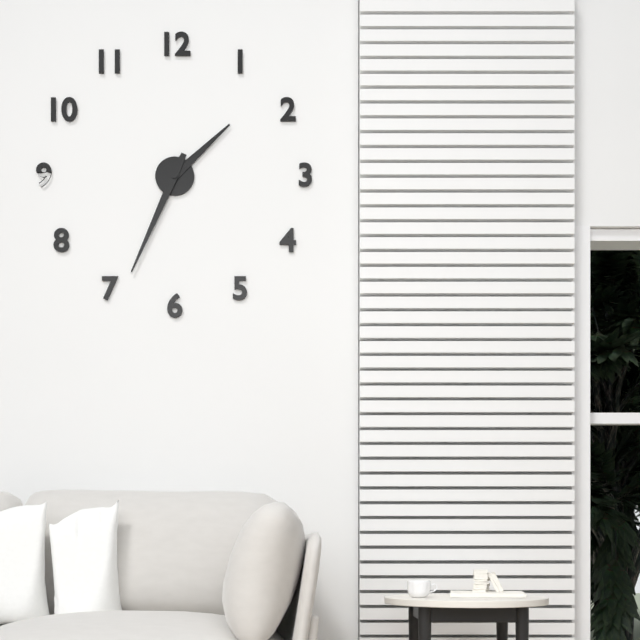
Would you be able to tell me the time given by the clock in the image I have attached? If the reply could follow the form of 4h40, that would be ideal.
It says 1h34
